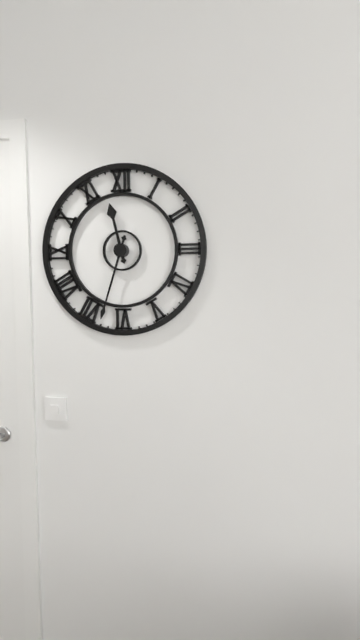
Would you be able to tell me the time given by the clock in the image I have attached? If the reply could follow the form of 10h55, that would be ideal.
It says 11h33
